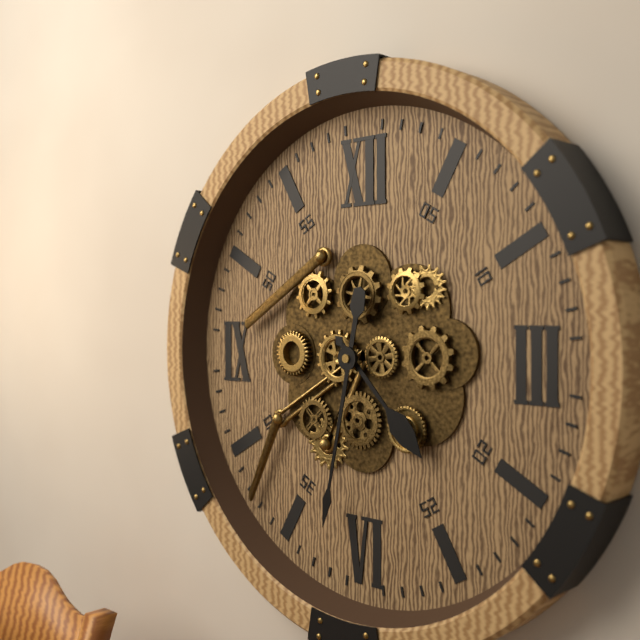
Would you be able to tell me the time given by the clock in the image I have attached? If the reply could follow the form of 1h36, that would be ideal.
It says 4h32
